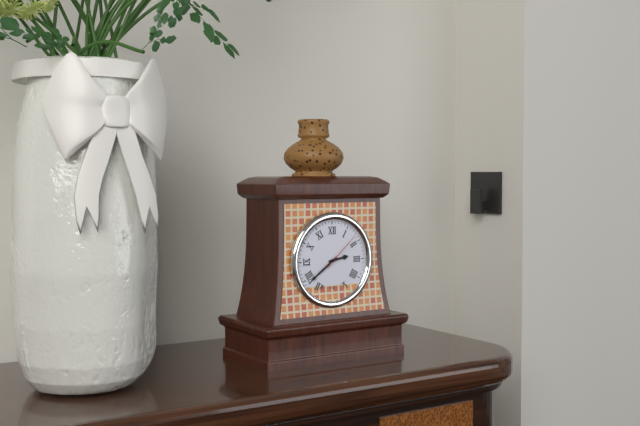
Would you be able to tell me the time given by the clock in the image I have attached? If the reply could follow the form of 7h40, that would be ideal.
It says 2h39
